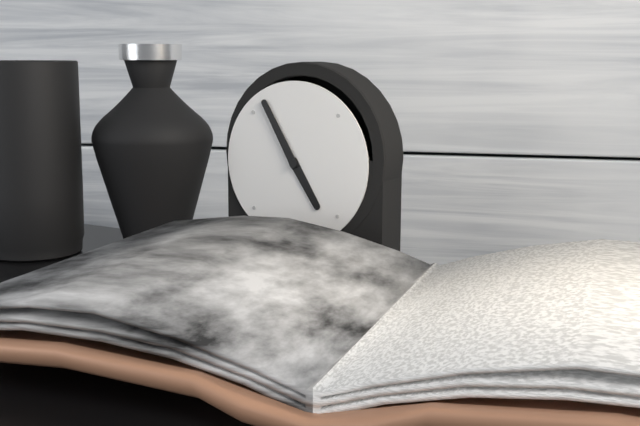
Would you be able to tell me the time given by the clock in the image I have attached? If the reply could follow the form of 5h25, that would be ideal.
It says 4h55
